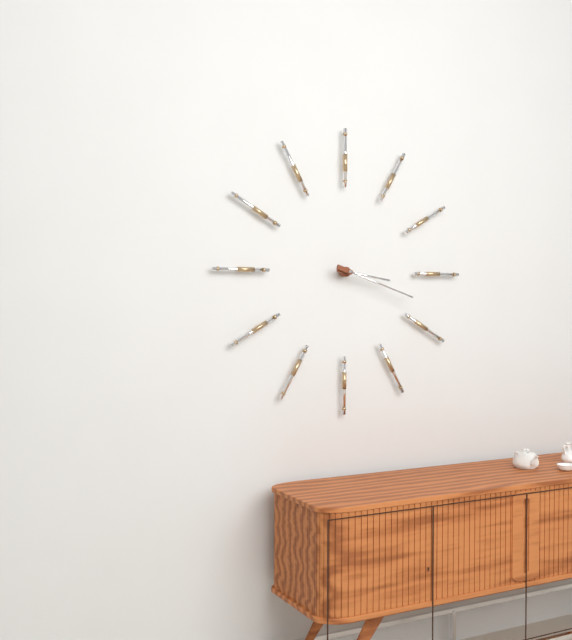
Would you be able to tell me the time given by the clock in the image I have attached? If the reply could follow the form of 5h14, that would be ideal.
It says 3h18
